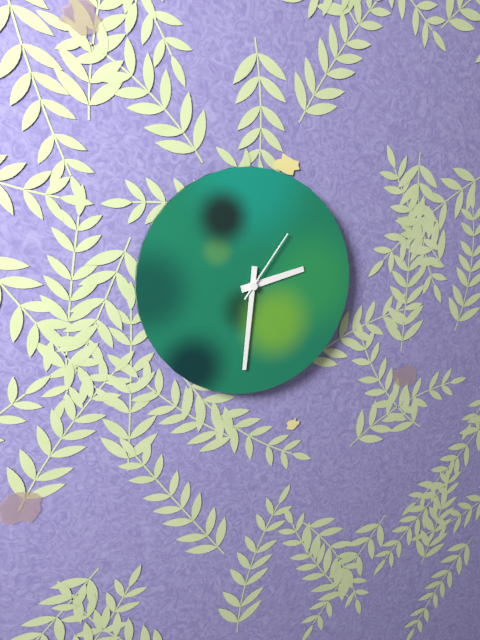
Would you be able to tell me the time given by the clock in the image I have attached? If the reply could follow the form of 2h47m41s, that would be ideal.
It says 2h31m06s
